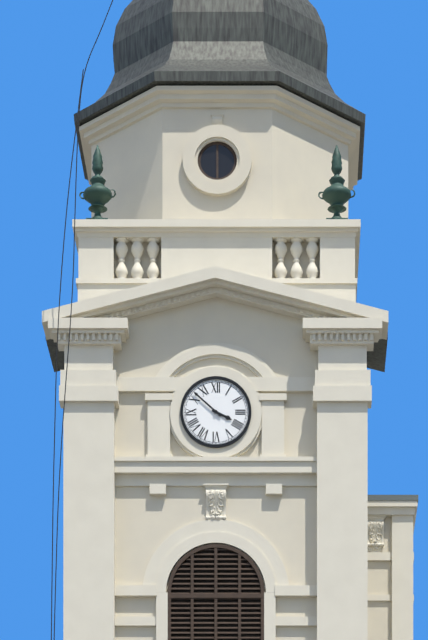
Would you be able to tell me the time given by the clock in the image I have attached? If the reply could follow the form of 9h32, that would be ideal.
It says 3h52
